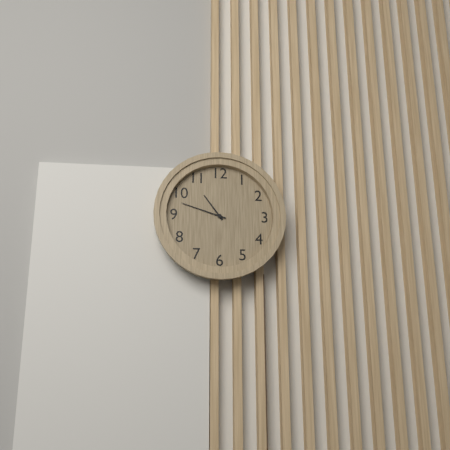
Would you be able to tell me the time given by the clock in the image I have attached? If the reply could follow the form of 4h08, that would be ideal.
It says 10h48
